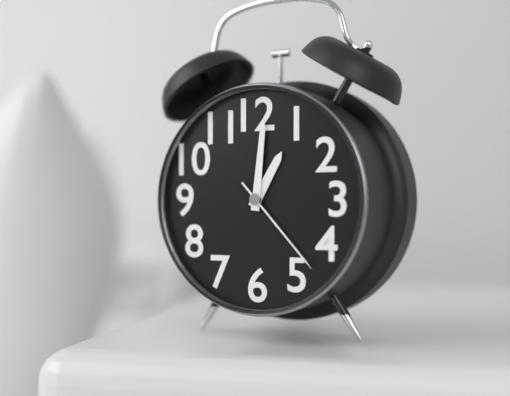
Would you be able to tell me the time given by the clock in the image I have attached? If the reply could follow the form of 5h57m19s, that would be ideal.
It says 1h01m23s
